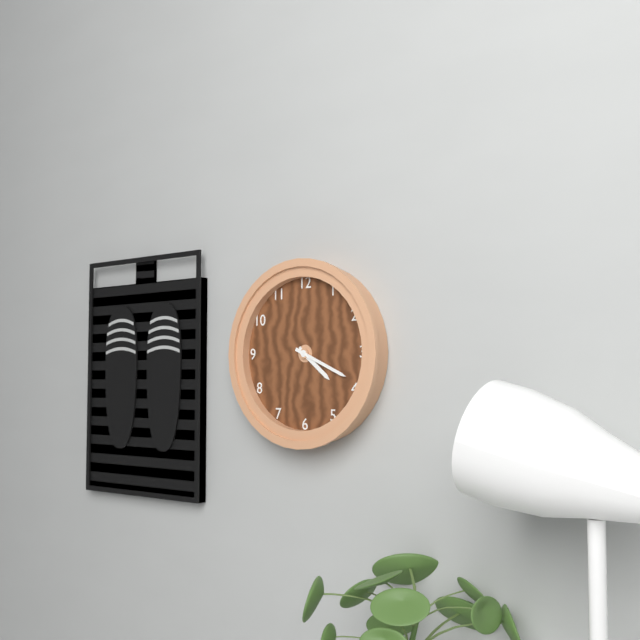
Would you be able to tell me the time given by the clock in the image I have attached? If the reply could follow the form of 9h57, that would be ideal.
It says 4h19
